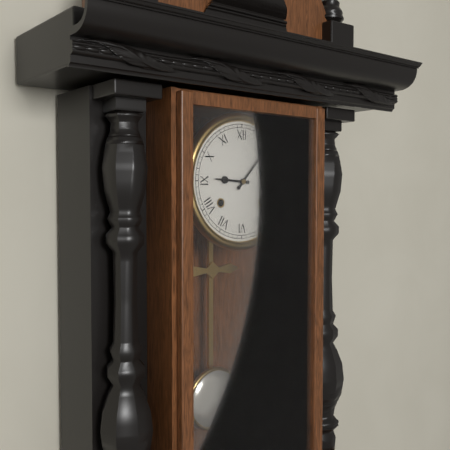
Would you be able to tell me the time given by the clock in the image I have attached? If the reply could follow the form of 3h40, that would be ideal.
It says 9h07
